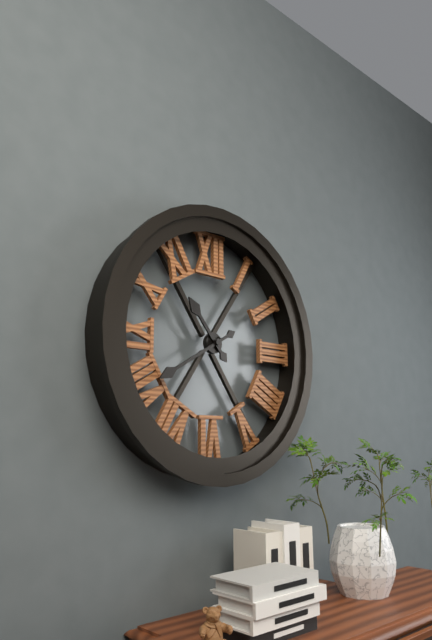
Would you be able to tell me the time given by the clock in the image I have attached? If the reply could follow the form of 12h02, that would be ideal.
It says 10h40
